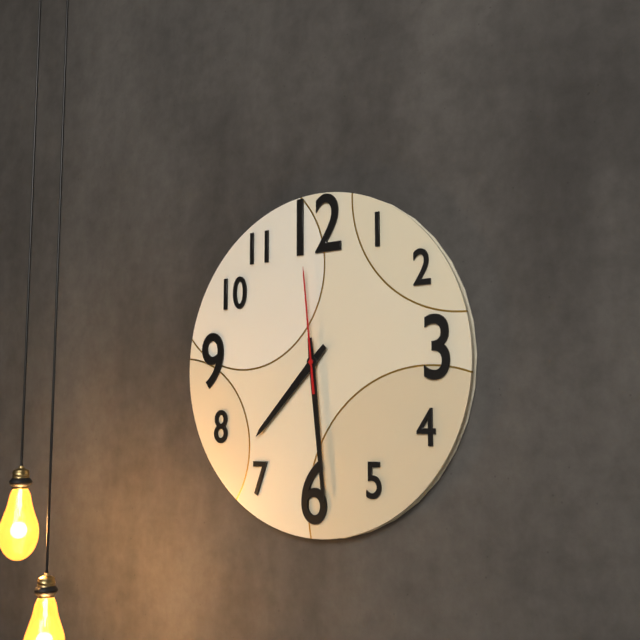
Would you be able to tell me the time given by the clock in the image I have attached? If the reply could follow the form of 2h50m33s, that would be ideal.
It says 7h29m59s
